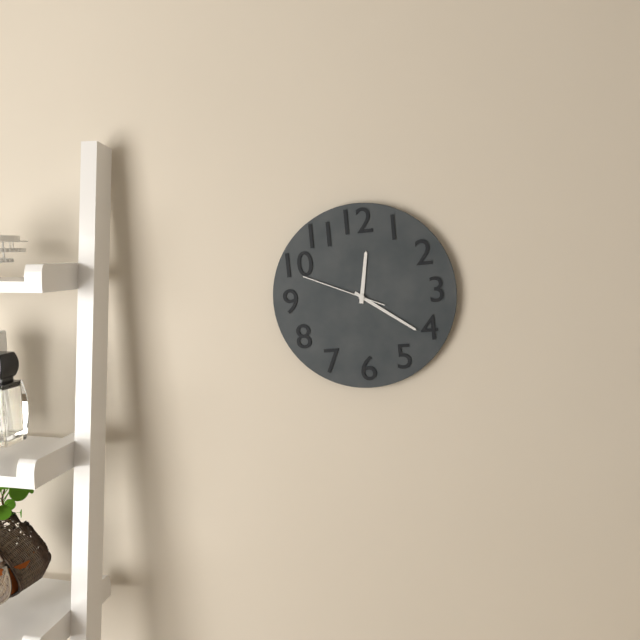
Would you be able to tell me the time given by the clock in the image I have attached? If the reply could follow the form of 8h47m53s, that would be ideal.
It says 12h21m49s
